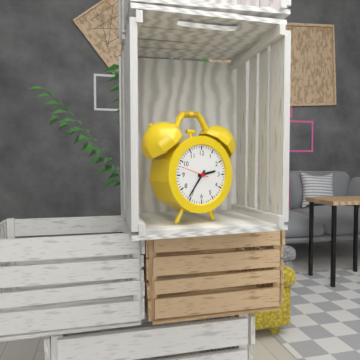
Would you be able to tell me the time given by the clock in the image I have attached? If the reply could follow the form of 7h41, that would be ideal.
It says 2h36
